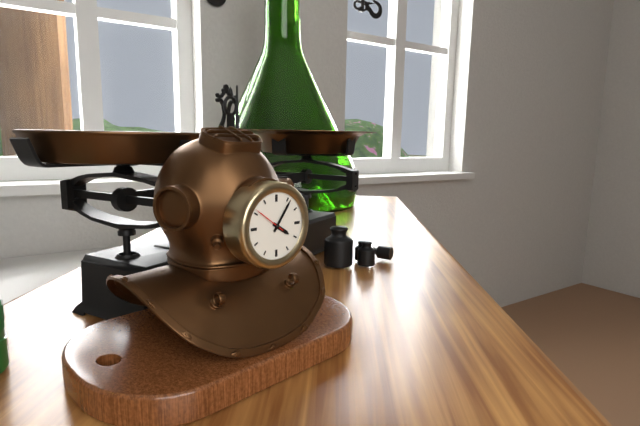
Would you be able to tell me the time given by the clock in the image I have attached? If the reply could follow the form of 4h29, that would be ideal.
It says 4h06
